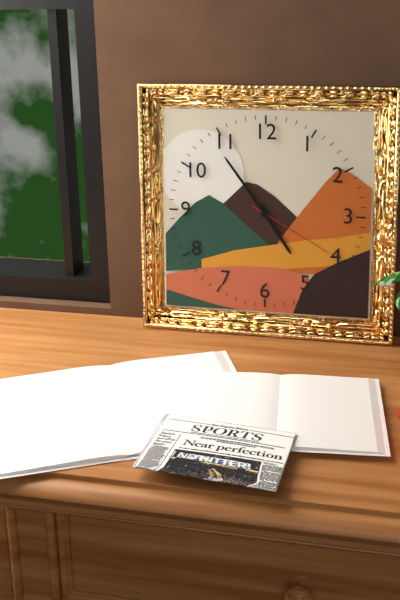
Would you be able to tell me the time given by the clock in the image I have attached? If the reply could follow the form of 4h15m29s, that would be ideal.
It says 4h54m20s
